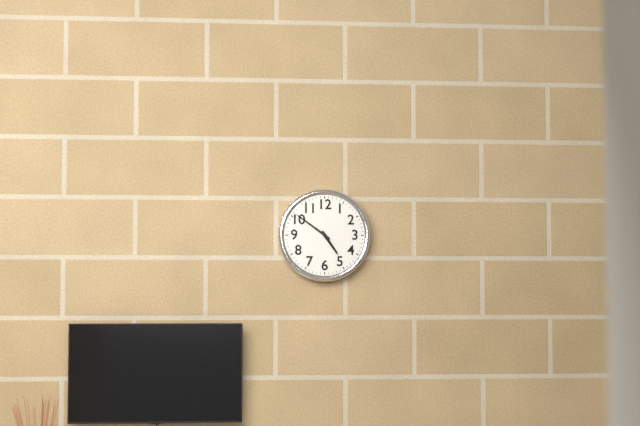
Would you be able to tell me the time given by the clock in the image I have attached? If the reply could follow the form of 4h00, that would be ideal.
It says 4h51
